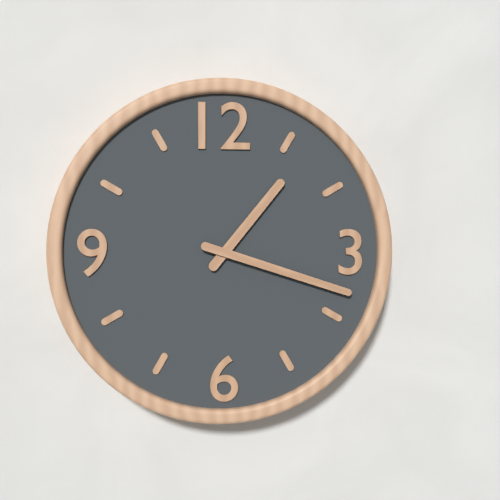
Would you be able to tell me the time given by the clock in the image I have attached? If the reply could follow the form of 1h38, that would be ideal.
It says 1h18
